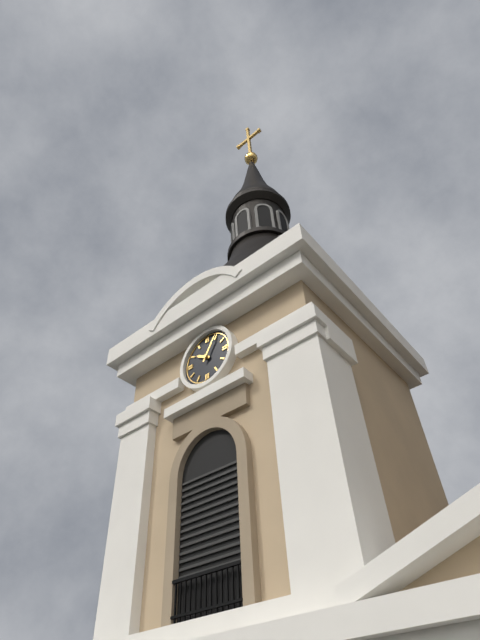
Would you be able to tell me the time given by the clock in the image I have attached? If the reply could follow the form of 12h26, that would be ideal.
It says 10h05
